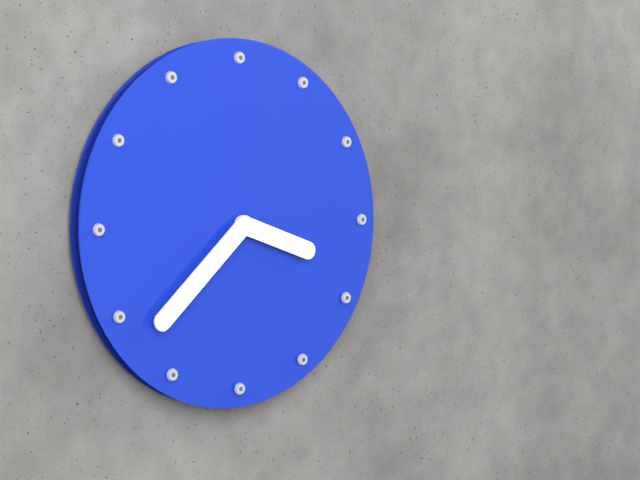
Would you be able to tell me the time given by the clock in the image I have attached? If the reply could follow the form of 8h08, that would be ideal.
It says 3h38
